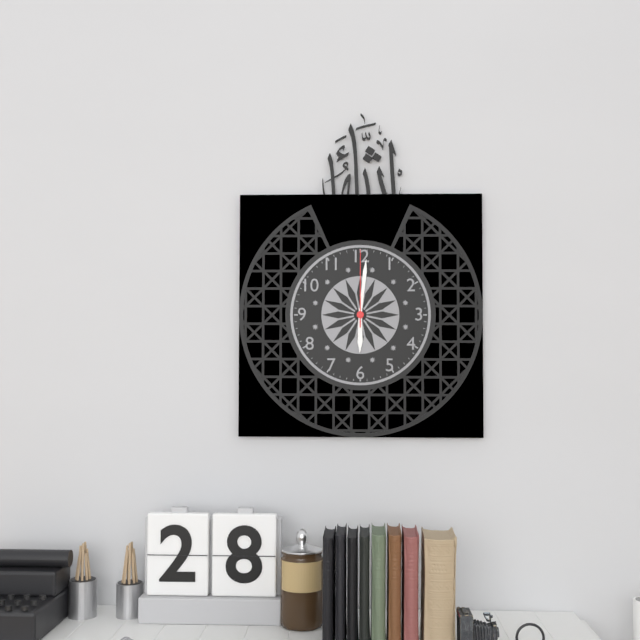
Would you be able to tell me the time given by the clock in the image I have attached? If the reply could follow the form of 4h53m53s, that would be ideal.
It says 6h01m00s
